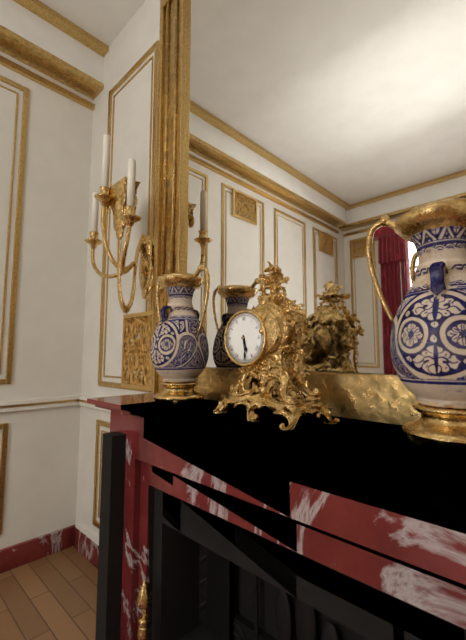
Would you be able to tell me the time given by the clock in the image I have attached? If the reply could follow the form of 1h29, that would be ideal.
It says 5h29
